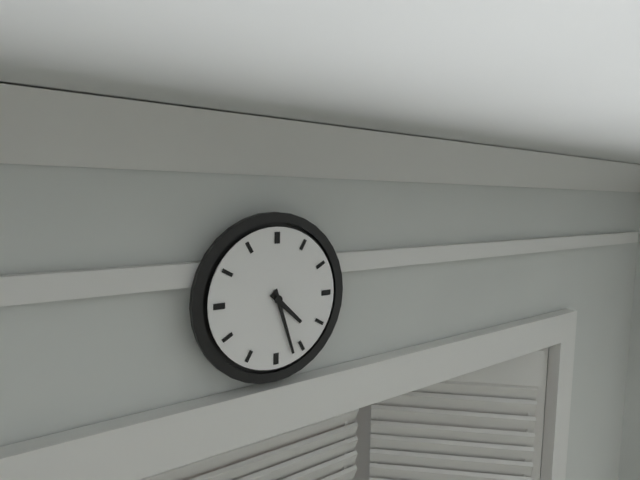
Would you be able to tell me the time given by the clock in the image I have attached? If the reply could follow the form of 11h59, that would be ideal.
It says 4h27
